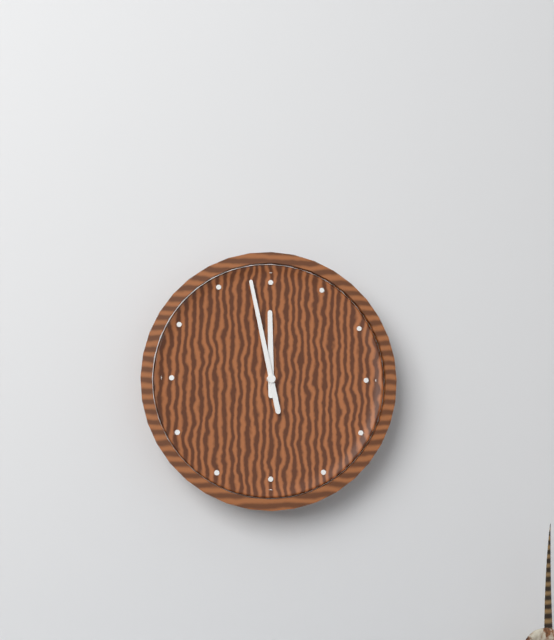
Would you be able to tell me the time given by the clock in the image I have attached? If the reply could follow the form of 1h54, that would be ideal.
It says 11h58
